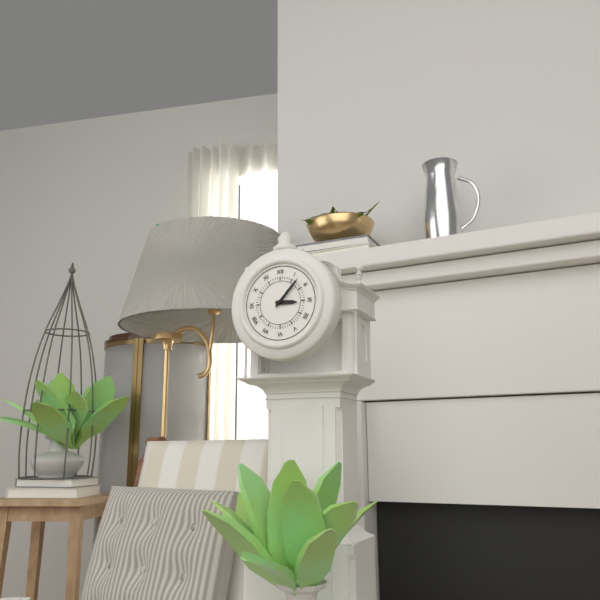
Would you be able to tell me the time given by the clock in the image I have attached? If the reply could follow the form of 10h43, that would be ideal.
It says 3h07
